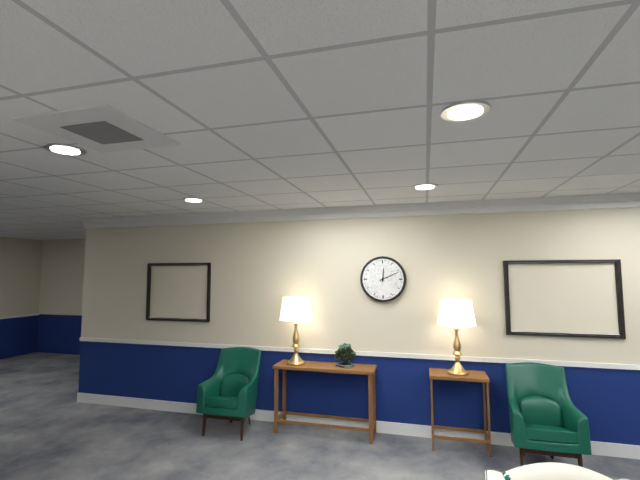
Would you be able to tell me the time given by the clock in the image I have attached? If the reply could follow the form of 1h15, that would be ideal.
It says 12h11
